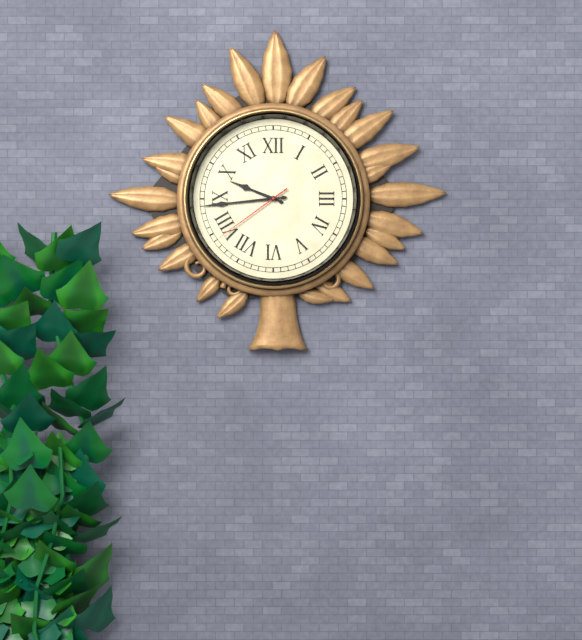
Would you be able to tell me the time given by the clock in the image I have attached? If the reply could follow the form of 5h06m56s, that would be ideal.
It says 9h44m39s
